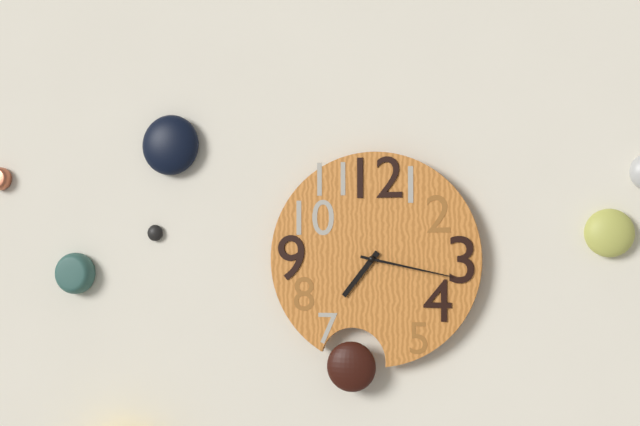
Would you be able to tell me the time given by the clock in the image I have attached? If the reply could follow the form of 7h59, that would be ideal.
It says 7h17
